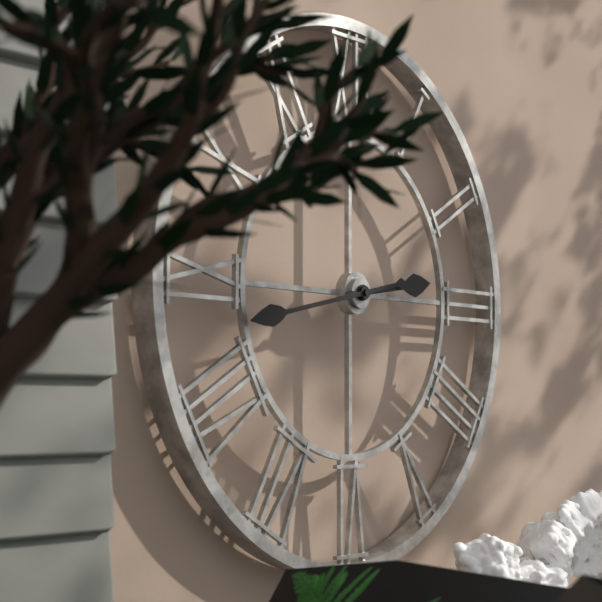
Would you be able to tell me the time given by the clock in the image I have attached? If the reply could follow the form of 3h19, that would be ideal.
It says 2h43
